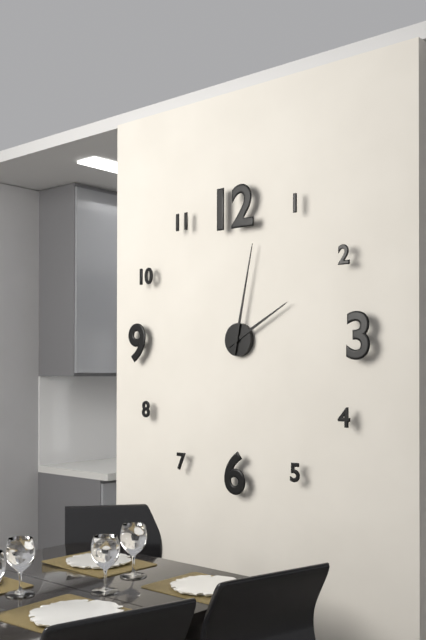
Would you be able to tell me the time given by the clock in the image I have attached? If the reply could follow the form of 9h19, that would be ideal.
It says 2h02
